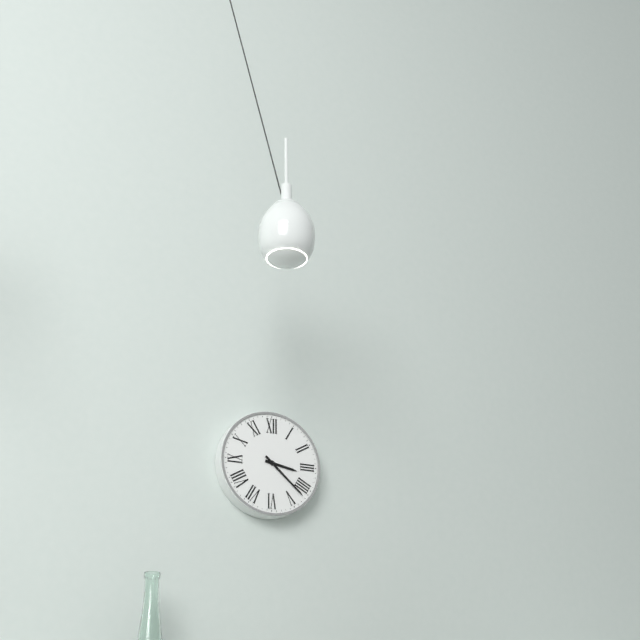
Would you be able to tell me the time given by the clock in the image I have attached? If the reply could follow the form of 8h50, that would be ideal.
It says 3h22
